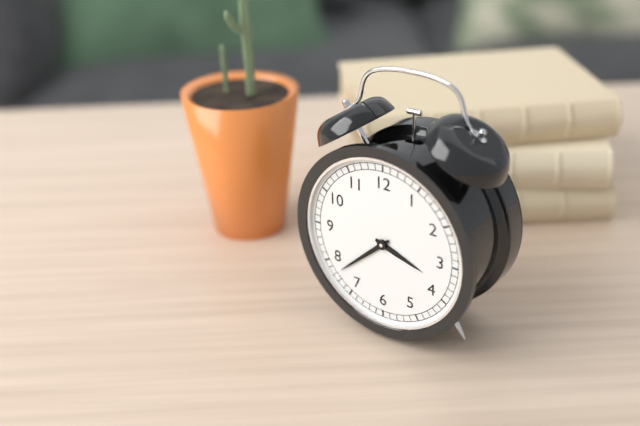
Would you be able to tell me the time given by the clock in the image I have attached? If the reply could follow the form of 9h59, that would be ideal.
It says 3h38
